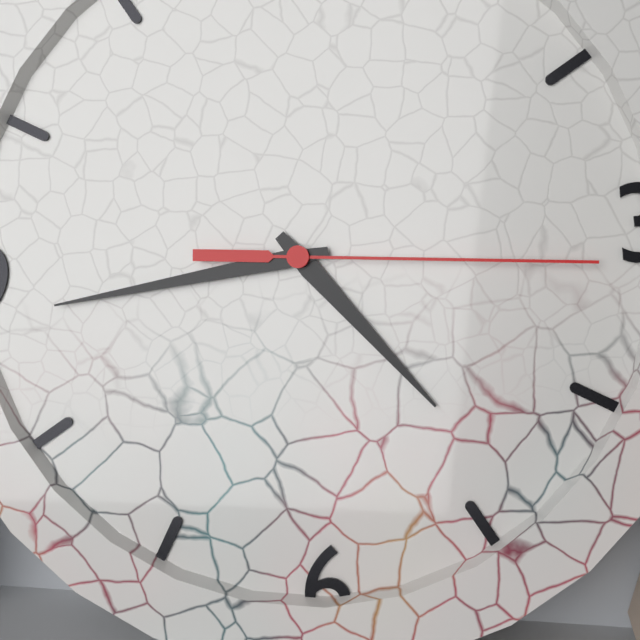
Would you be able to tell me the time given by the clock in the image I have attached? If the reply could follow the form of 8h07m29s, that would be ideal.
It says 4h44m16s
